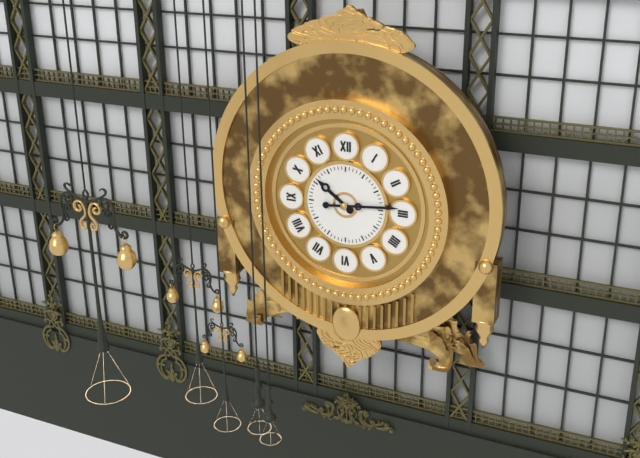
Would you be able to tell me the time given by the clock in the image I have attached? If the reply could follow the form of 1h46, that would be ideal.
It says 10h14
